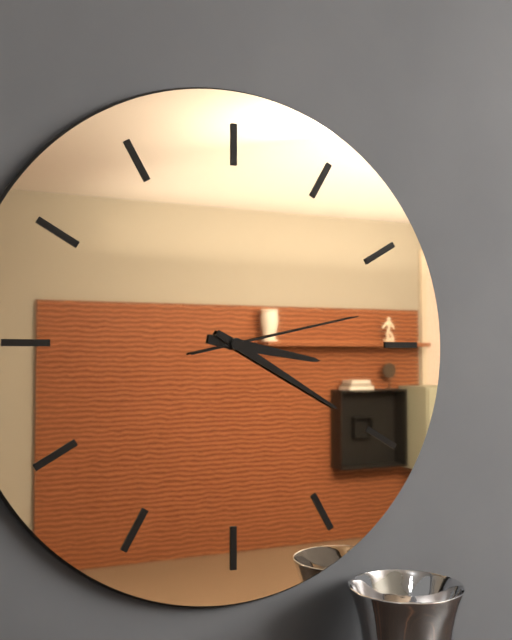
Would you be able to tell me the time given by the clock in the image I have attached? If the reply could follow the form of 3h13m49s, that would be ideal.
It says 3h20m13s
